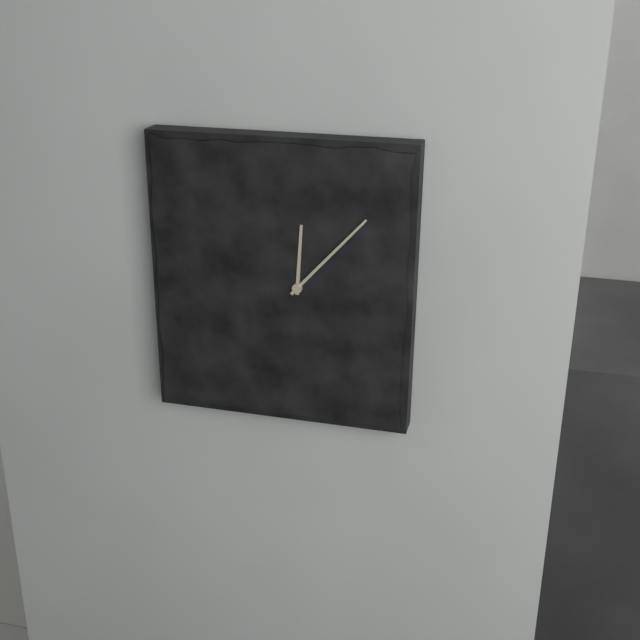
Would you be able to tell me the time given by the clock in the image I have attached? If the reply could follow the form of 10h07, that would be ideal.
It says 12h07
